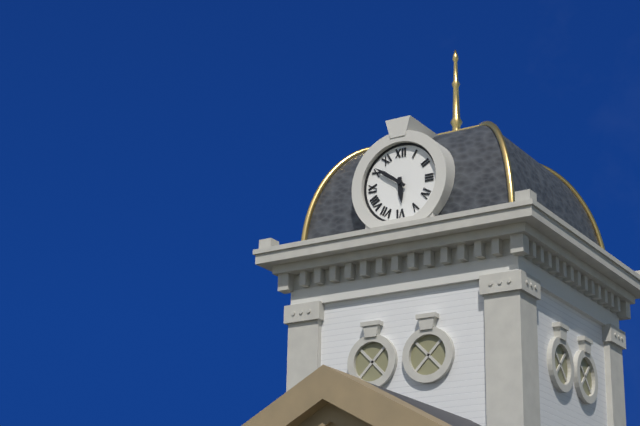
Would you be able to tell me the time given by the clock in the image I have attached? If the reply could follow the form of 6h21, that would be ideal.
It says 5h51
